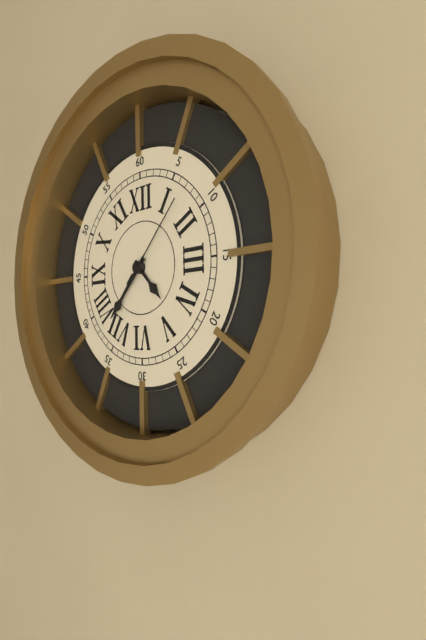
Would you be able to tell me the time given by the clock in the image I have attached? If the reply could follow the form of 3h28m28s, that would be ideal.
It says 4h37m07s
